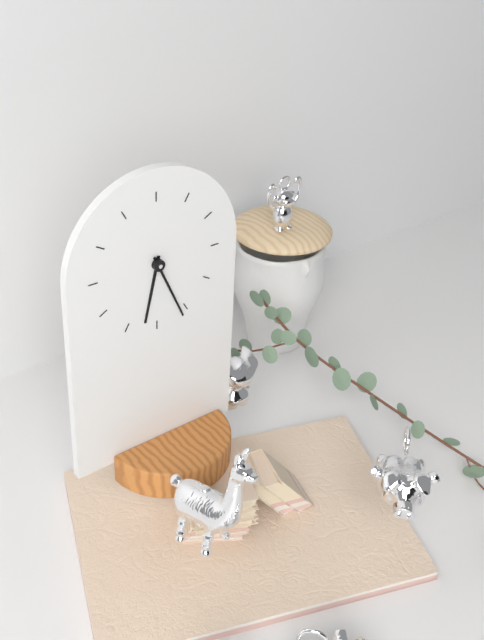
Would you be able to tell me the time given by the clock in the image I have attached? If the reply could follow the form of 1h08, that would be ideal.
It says 6h26
